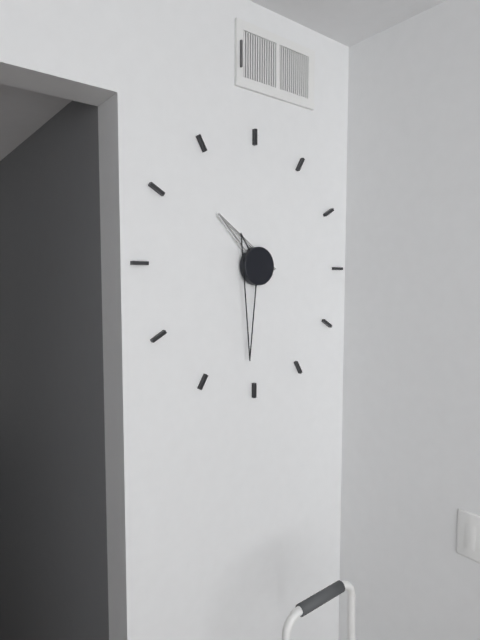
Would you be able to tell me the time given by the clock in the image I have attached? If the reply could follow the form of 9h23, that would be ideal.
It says 10h31
